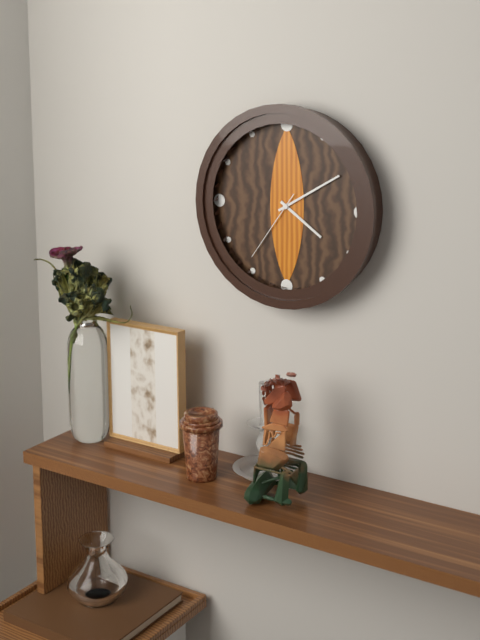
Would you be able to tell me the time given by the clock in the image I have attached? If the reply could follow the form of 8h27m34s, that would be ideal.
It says 4h10m36s
